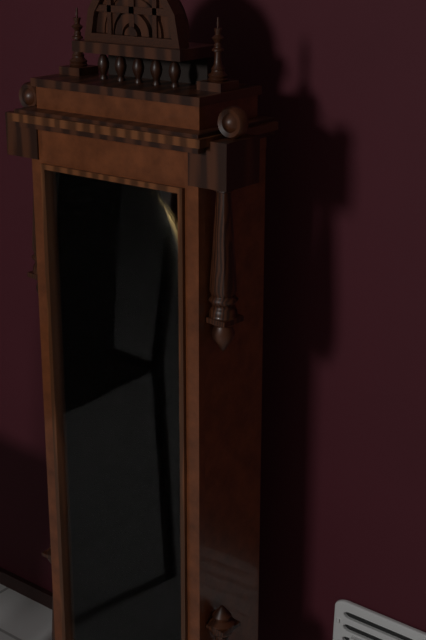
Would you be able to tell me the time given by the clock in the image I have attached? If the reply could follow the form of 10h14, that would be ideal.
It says 6h55
